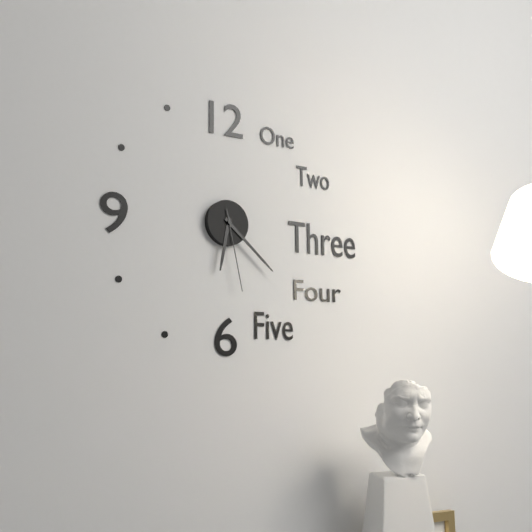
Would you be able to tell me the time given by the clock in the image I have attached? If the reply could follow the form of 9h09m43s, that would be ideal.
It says 6h22m28s
